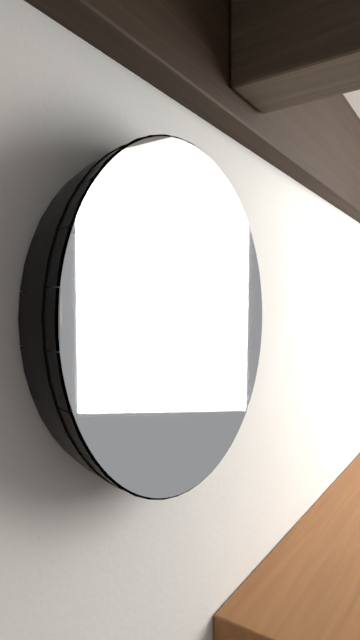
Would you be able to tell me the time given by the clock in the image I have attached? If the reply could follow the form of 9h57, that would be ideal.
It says 10h53
